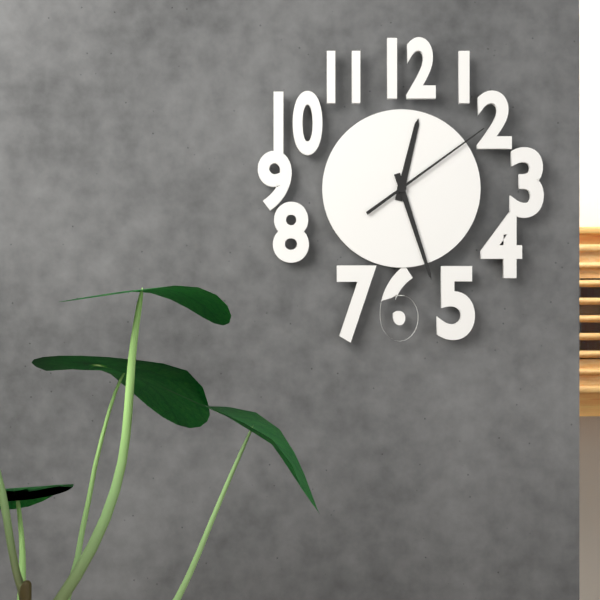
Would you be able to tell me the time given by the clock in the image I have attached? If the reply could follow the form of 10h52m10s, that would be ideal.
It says 12h27m09s
